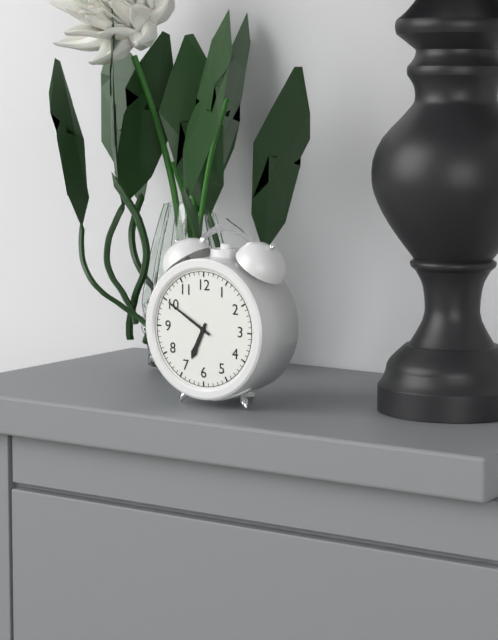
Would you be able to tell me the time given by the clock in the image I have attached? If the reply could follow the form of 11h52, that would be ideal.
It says 6h50
